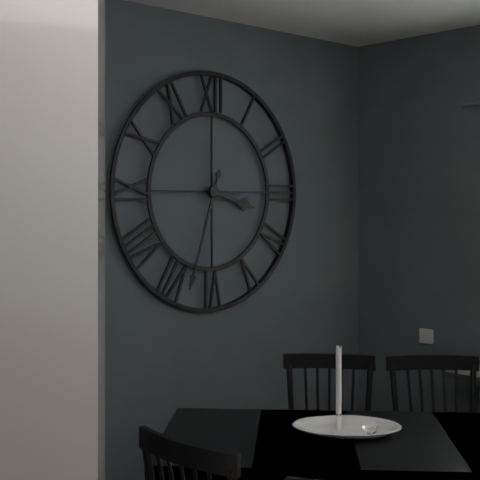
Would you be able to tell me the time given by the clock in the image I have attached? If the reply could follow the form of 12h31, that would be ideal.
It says 3h33
